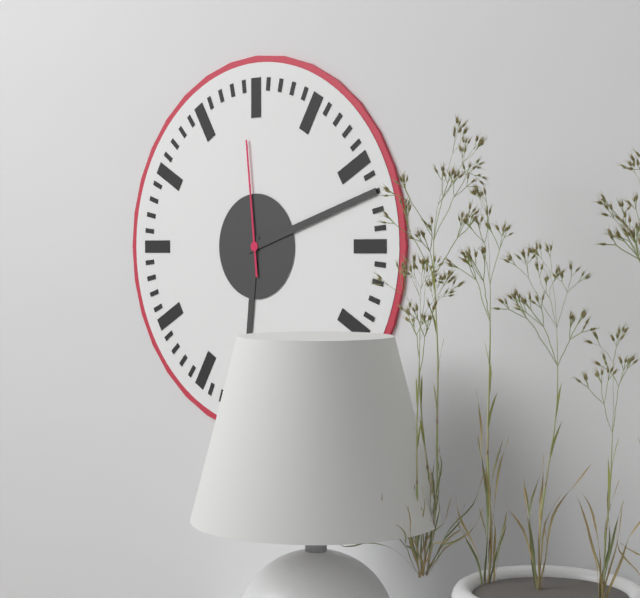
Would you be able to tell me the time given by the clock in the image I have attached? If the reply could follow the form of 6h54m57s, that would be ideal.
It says 6h12m59s
